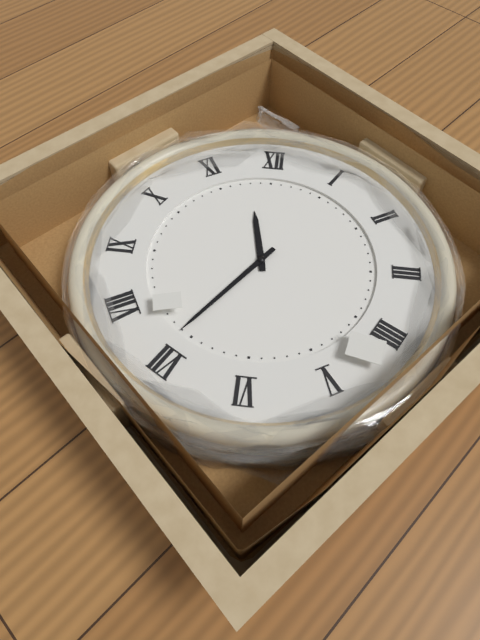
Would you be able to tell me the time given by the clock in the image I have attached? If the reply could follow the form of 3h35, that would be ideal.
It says 11h36
